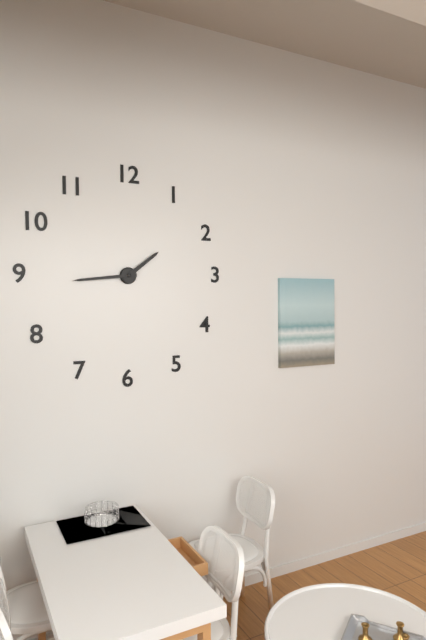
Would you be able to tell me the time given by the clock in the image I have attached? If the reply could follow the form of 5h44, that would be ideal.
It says 1h44
